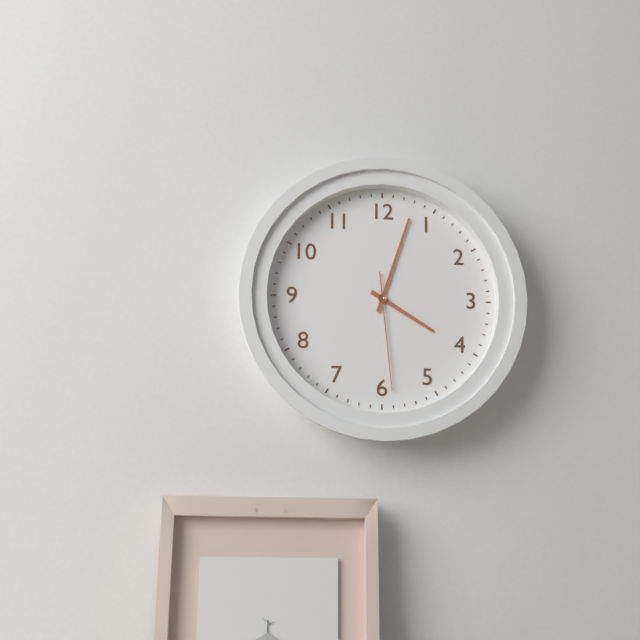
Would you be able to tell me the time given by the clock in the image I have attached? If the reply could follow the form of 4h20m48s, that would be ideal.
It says 4h03m29s
